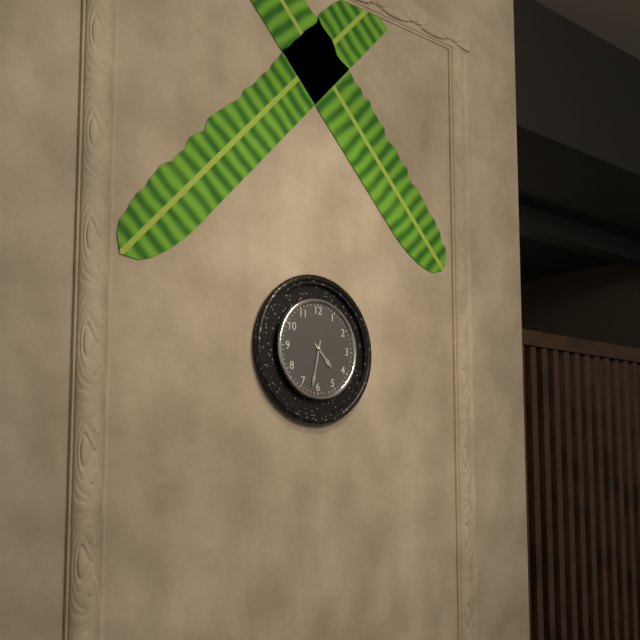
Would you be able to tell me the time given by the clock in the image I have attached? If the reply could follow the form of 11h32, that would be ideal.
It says 4h32
